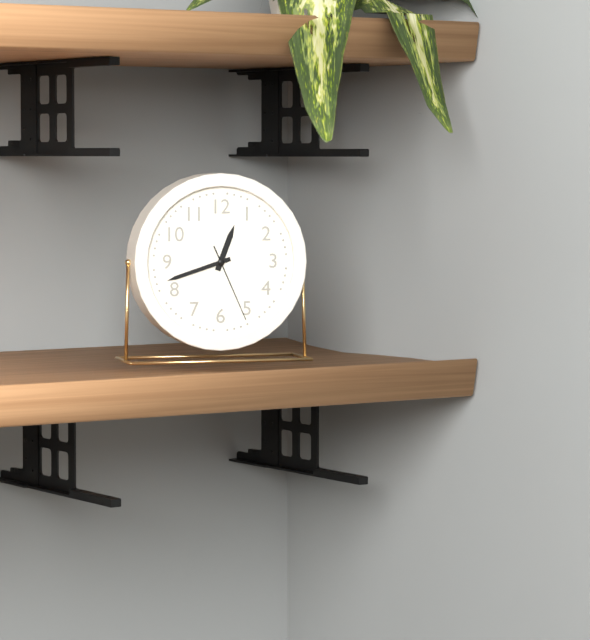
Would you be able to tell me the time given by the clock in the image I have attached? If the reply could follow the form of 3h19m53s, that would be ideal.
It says 12h42m26s
